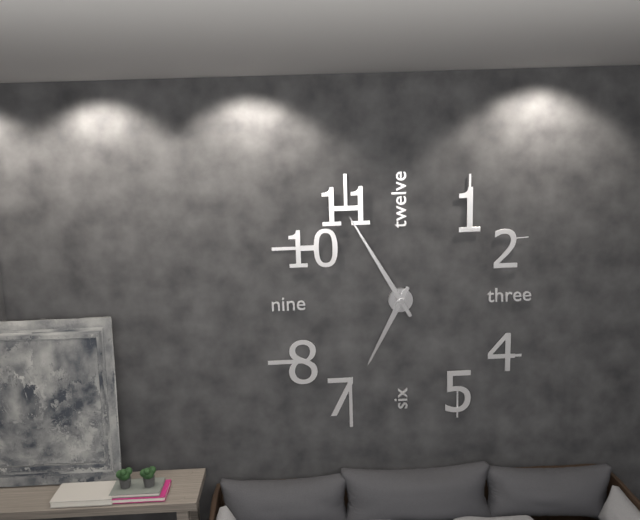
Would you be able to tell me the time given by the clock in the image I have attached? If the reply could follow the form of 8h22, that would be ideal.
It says 6h55
